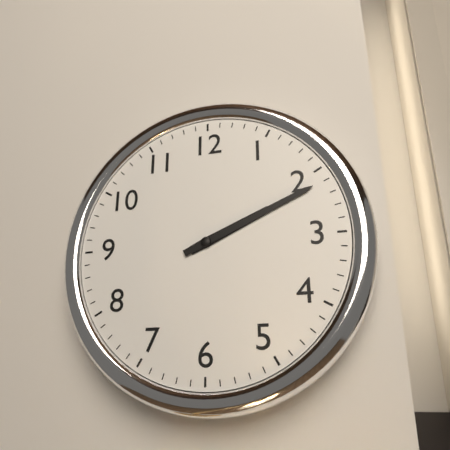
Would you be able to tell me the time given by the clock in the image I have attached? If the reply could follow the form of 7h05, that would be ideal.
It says 2h11
